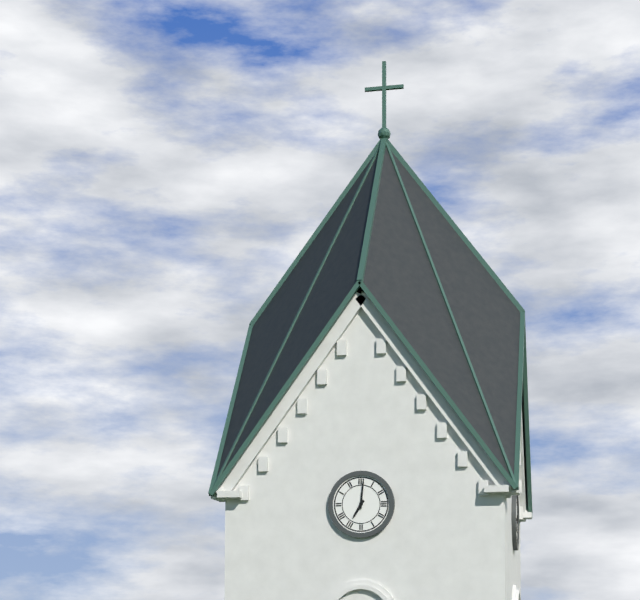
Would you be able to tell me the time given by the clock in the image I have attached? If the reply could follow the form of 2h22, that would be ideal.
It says 7h01
